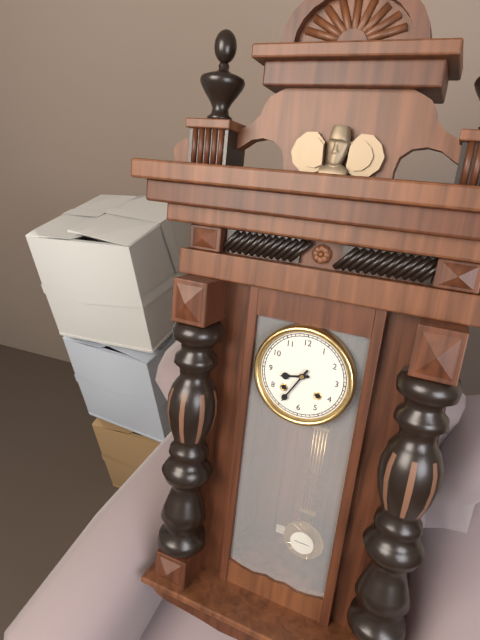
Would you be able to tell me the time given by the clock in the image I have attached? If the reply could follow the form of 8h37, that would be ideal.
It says 8h35
